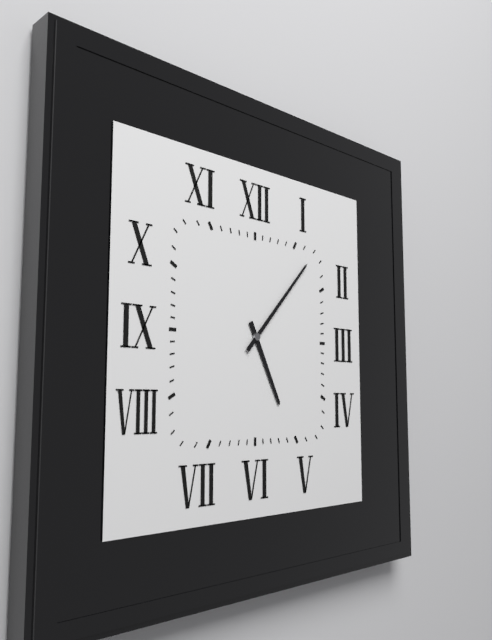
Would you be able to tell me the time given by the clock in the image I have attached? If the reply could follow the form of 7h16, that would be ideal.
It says 5h07
